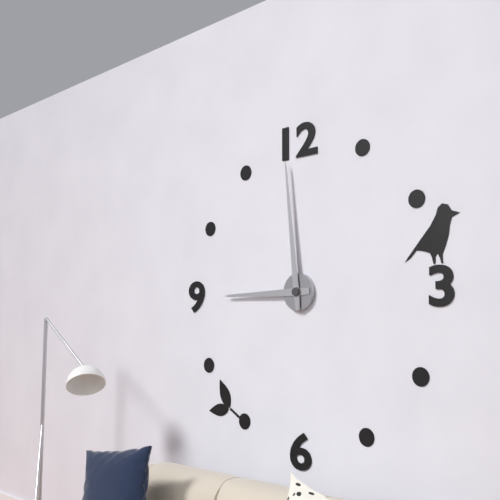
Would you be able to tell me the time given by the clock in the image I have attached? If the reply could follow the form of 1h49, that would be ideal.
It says 8h59
